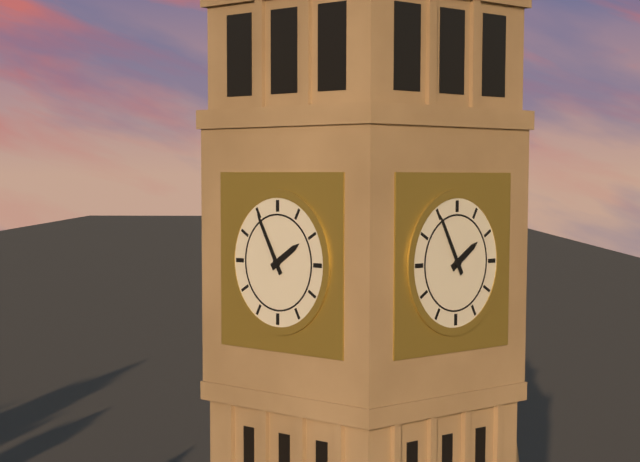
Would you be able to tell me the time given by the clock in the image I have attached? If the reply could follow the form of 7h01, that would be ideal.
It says 1h55
